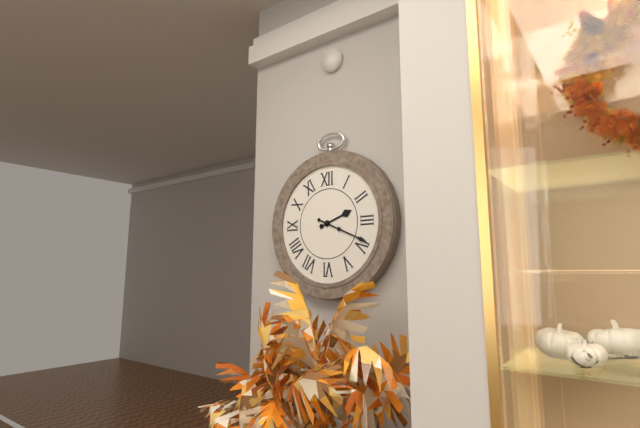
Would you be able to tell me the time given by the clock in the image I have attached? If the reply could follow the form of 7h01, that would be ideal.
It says 2h19
